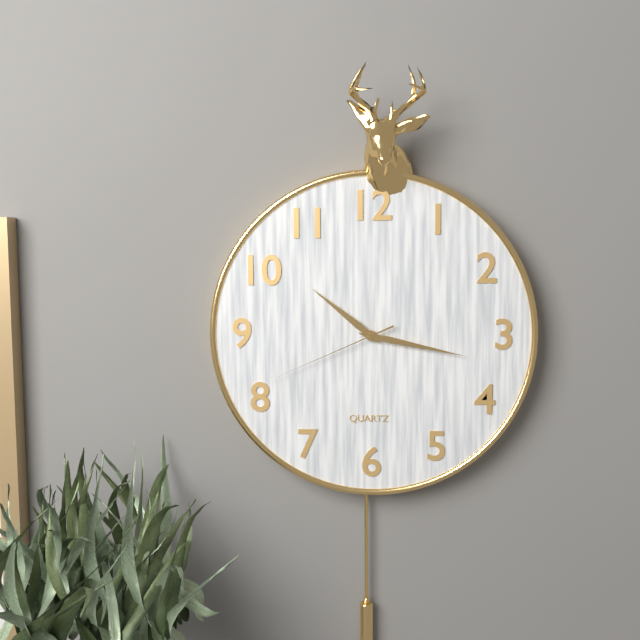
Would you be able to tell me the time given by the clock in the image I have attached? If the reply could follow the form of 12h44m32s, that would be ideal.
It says 10h17m41s
